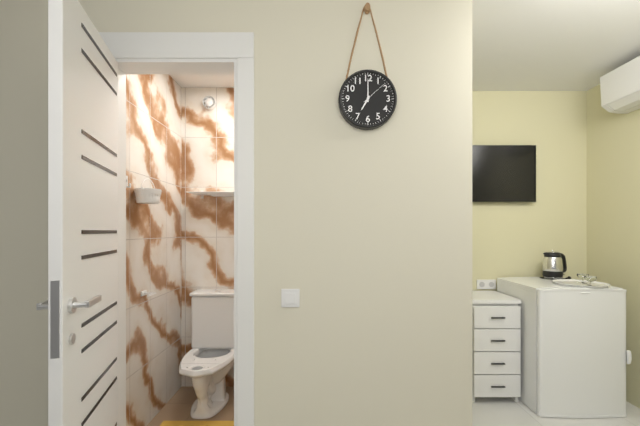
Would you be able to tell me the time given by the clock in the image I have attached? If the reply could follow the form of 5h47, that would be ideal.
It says 7h00
